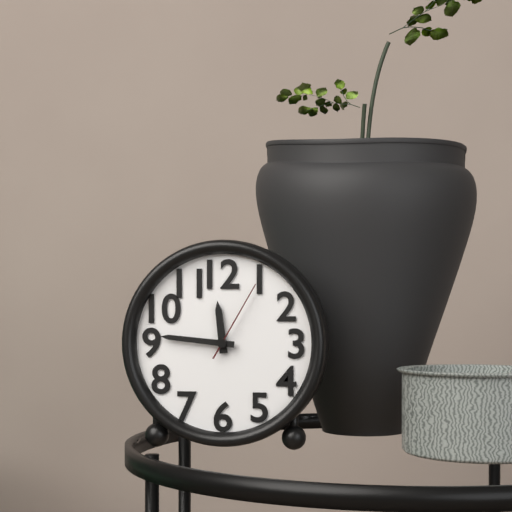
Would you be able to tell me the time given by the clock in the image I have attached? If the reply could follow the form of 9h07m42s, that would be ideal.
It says 11h46m05s
